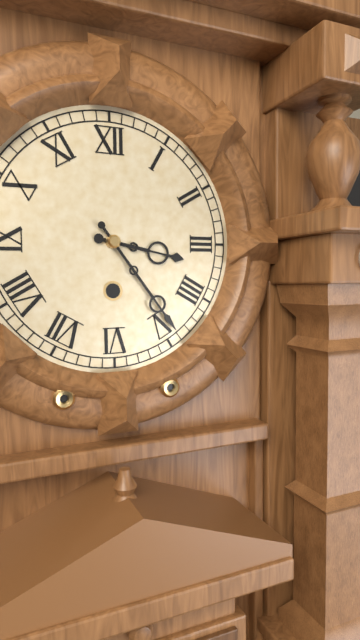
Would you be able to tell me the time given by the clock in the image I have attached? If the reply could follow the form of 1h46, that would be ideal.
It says 3h24
